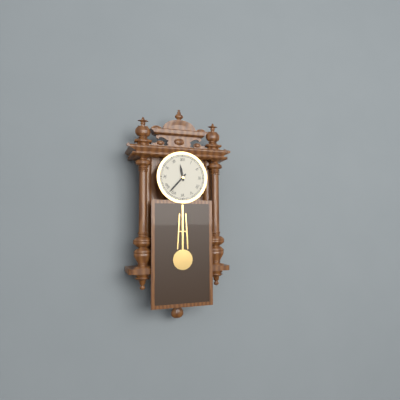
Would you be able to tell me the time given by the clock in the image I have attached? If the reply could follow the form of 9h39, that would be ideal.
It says 11h37
